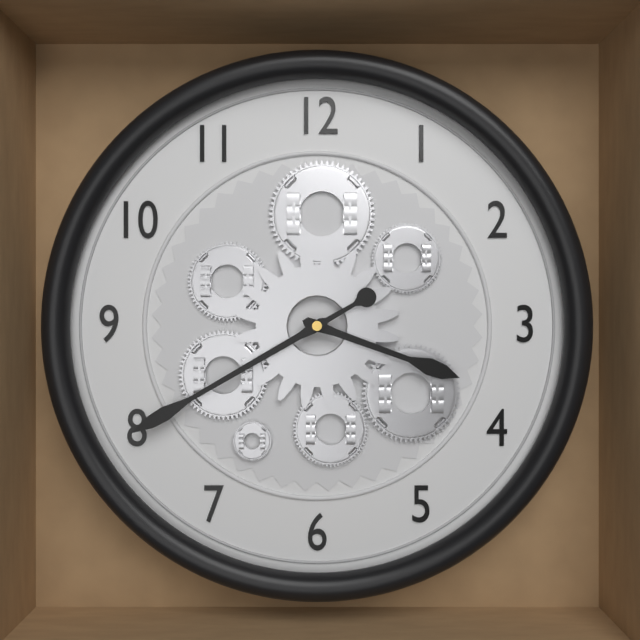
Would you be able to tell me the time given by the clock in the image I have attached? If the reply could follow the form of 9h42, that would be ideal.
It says 3h40
